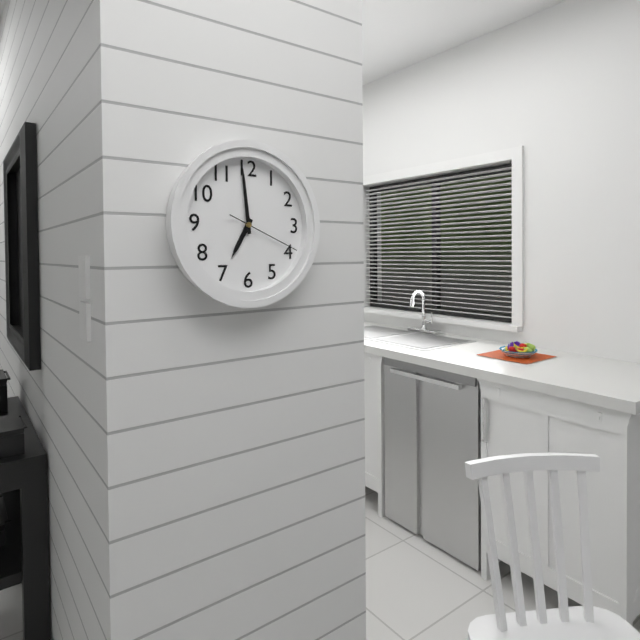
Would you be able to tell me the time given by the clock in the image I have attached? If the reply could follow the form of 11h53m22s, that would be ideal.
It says 6h59m19s
